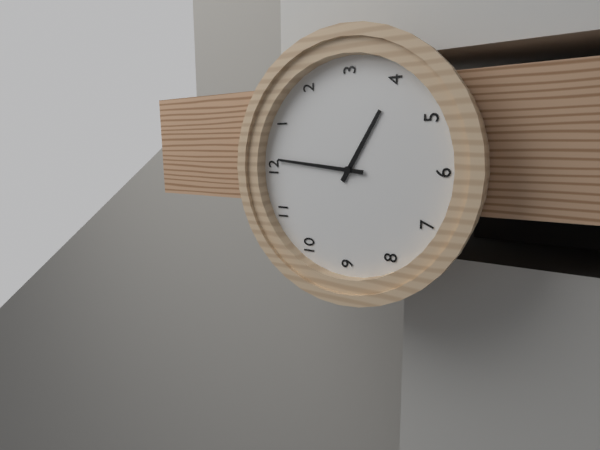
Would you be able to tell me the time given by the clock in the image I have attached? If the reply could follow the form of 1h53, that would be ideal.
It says 4h01
